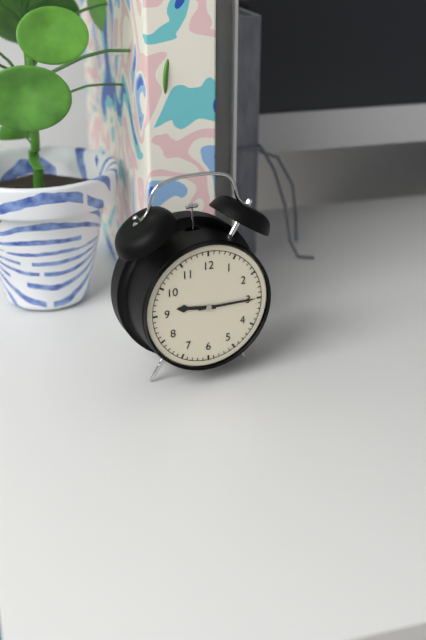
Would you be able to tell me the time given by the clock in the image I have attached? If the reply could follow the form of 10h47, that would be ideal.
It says 9h15
